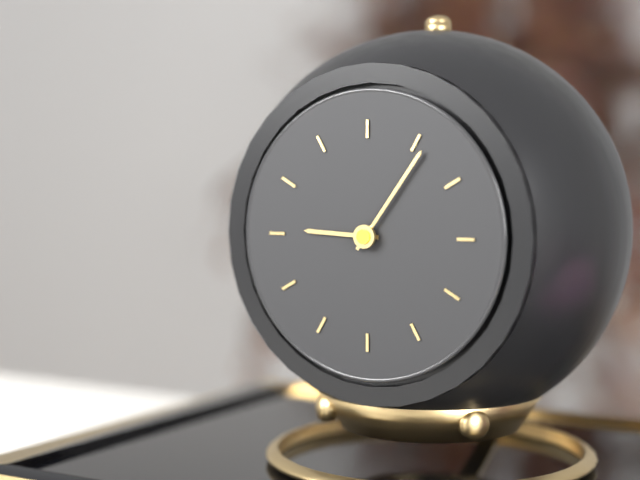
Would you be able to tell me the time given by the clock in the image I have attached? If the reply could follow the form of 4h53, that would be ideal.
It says 9h06
